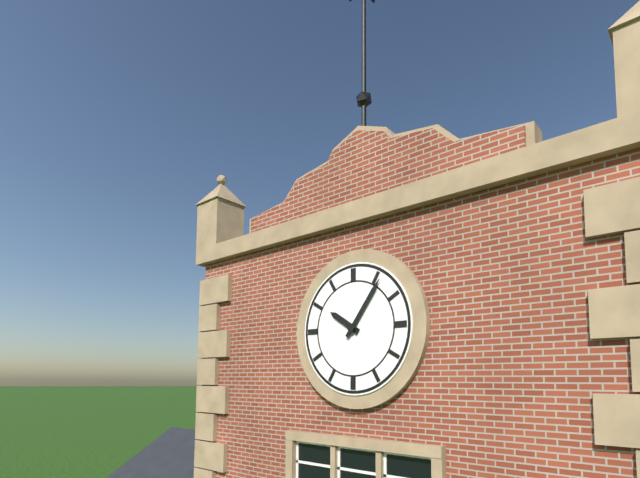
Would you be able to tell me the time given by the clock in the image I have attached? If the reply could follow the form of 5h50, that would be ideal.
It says 10h06
